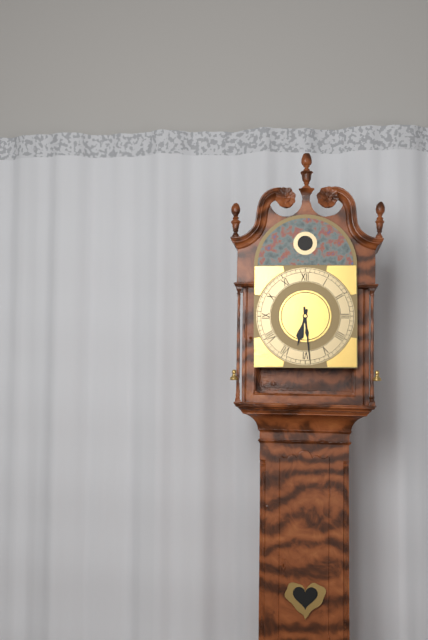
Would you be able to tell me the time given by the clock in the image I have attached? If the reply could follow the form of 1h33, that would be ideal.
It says 6h29
